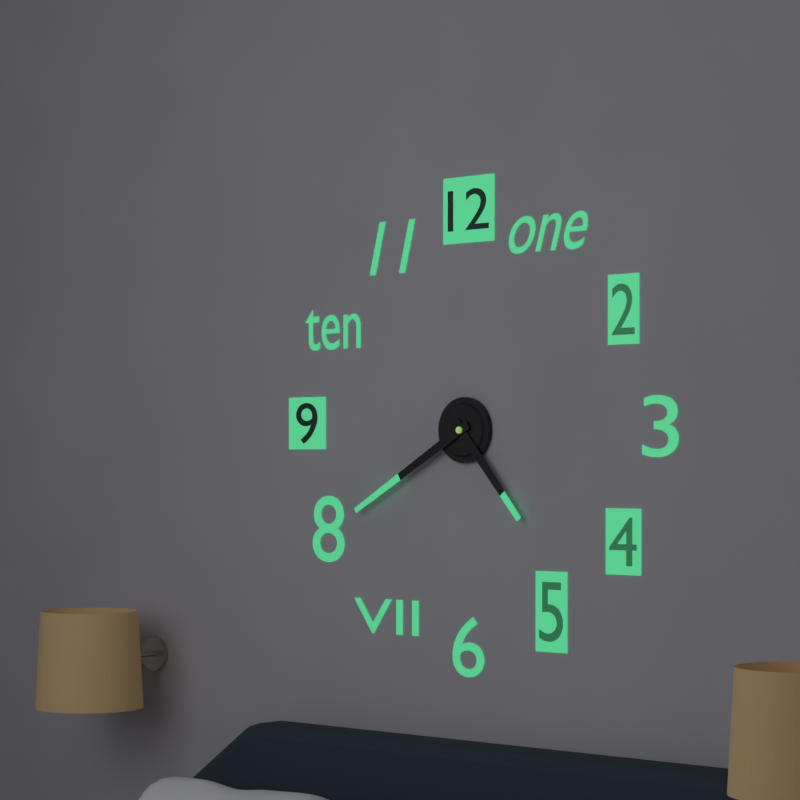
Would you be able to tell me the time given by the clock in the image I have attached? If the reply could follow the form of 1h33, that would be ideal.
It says 4h40
